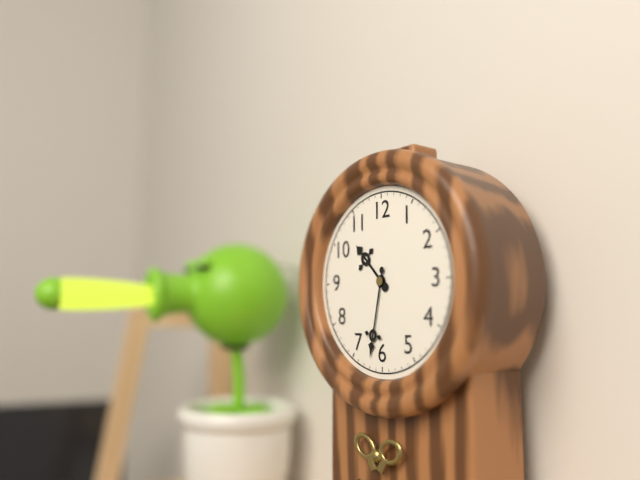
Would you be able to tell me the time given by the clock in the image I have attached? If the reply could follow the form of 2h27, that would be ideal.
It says 10h32
